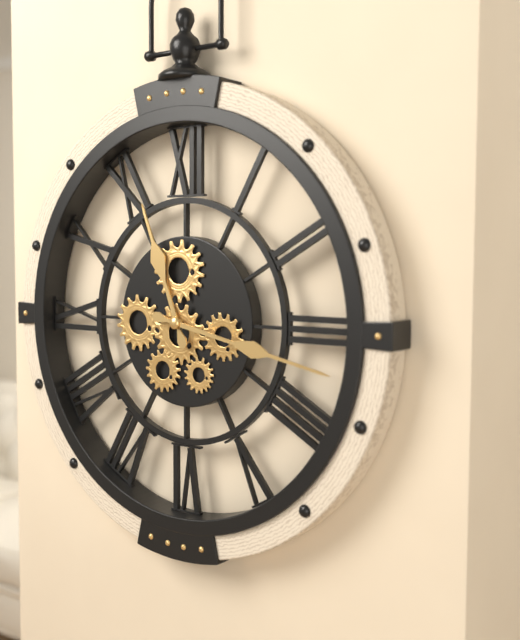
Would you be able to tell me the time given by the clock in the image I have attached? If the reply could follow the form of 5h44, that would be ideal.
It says 11h17
